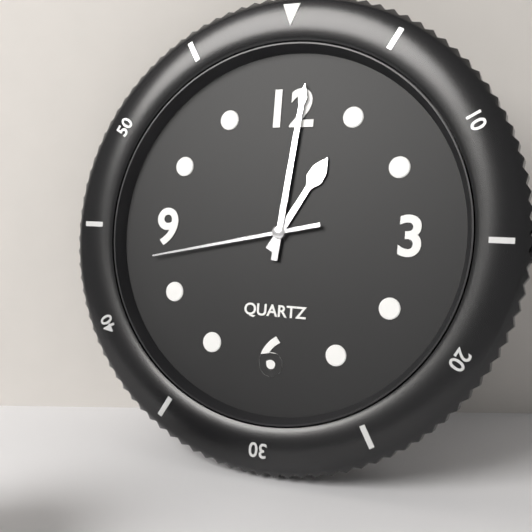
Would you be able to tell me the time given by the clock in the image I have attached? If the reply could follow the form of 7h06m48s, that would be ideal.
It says 1h01m43s
